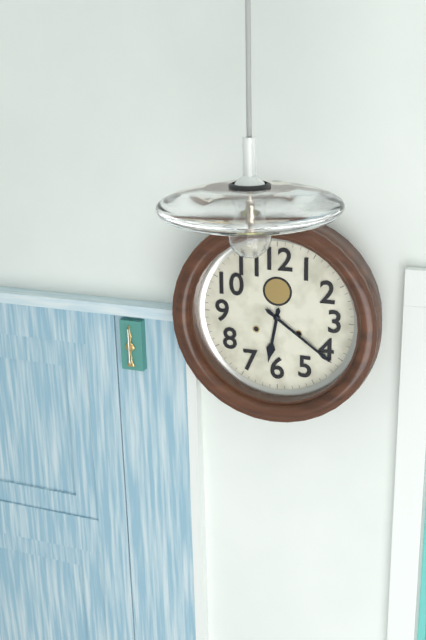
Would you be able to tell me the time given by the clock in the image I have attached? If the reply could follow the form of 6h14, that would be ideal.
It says 6h21
